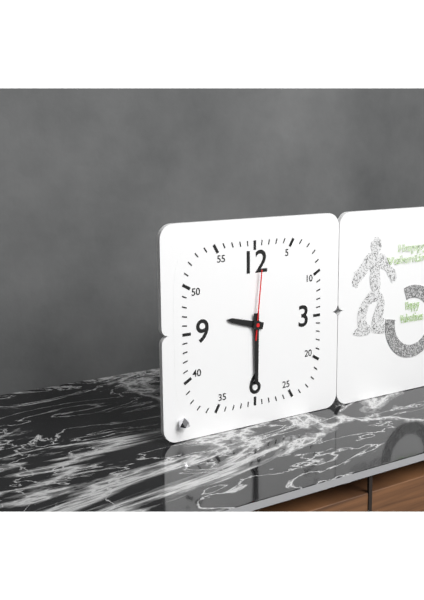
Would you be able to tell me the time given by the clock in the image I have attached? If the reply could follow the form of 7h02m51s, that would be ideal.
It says 9h30m01s
